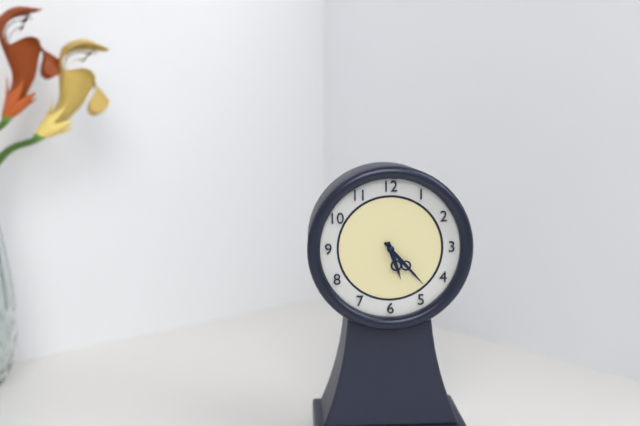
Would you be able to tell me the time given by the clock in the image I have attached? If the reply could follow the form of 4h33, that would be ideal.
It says 5h23
